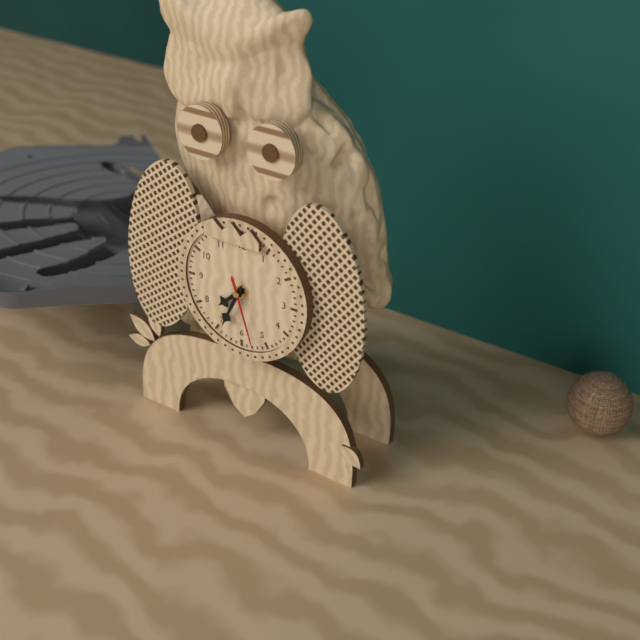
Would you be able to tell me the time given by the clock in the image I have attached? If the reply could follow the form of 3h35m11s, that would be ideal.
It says 7h34m27s
